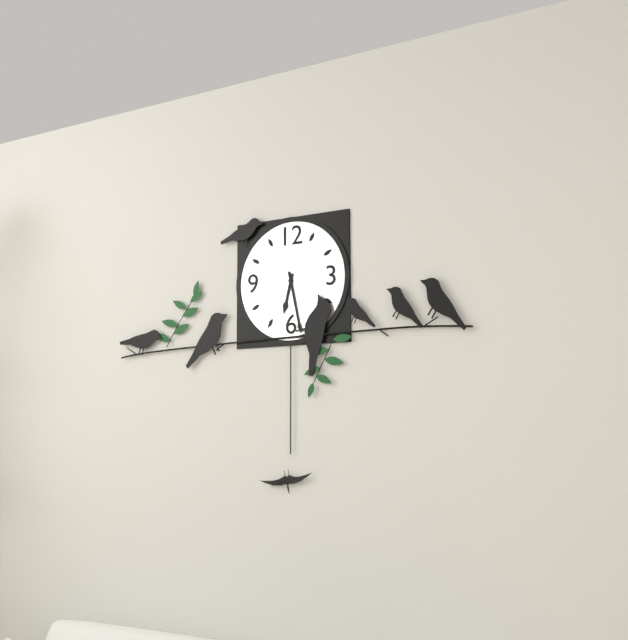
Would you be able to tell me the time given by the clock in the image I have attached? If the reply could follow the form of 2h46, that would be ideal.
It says 6h28
